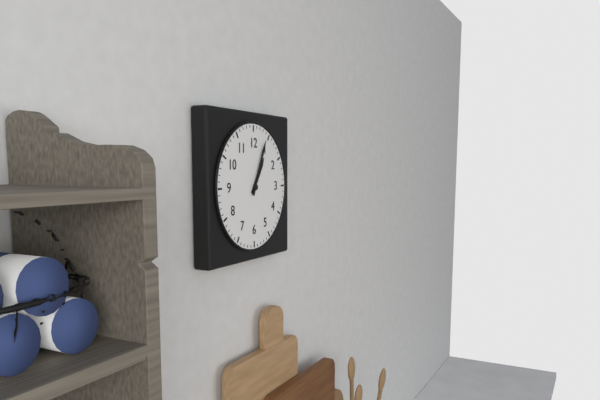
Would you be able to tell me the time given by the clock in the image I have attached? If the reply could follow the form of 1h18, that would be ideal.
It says 1h04
